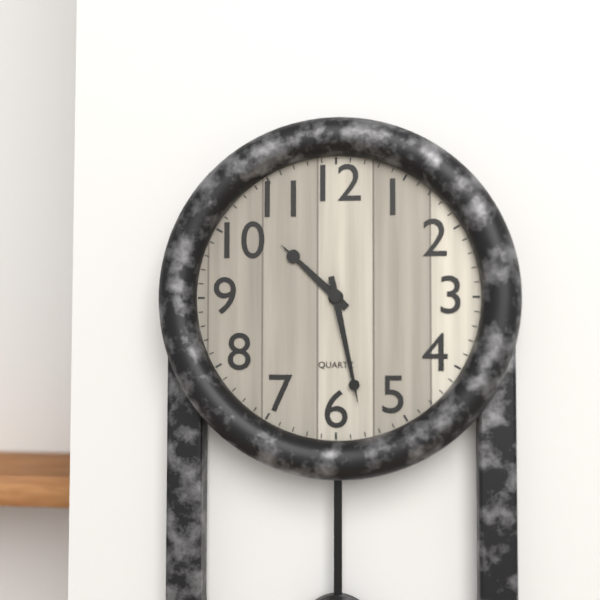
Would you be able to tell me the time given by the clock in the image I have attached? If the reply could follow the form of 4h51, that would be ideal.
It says 10h28
